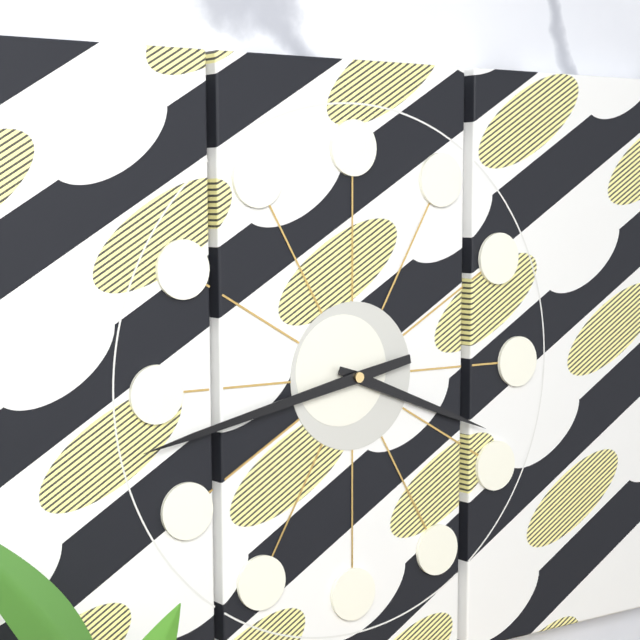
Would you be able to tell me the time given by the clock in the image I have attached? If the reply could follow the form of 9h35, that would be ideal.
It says 3h43
